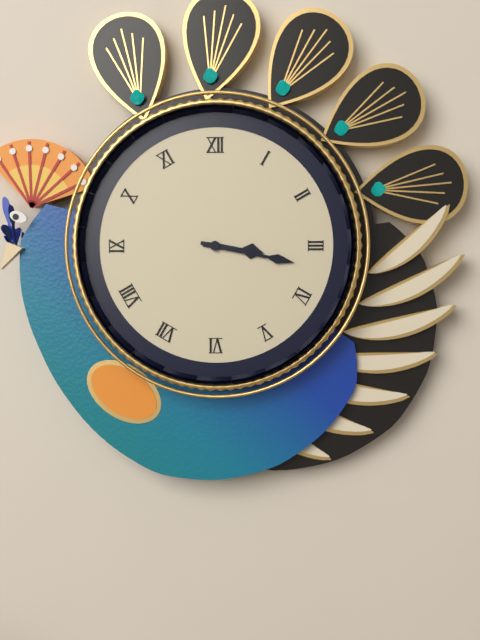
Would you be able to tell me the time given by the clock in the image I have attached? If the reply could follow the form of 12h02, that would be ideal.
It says 3h17
